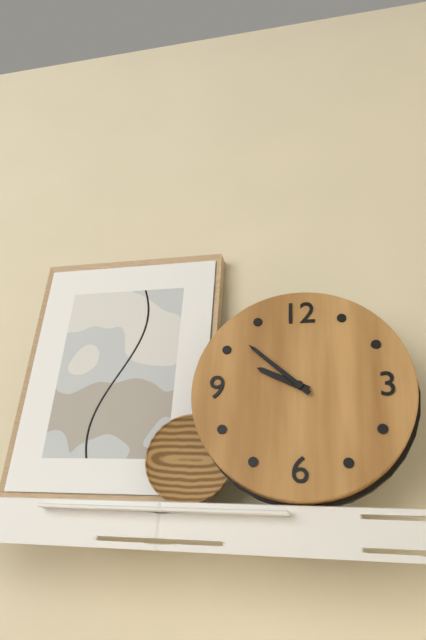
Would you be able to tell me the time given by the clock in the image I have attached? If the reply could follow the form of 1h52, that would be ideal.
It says 9h52
